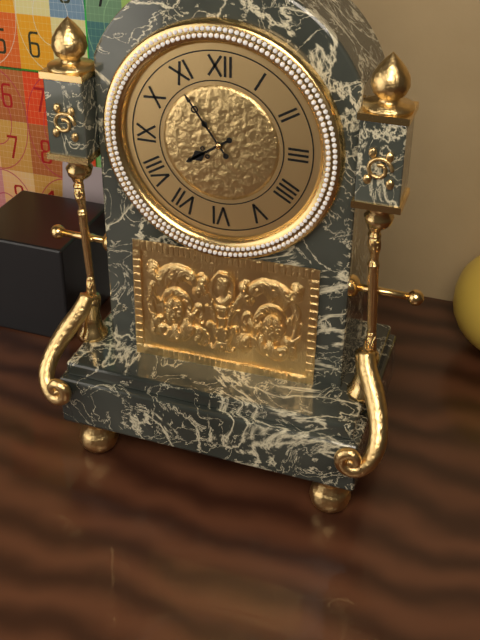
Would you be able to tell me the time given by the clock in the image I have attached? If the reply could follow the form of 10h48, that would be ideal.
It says 7h54
